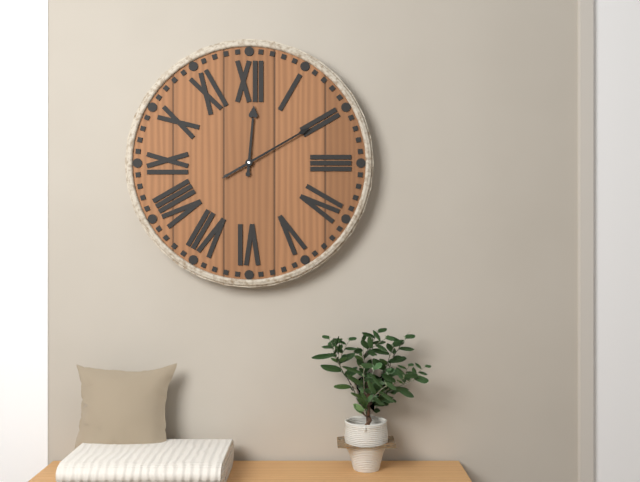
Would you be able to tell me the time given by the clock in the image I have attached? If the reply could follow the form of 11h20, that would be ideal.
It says 12h10
